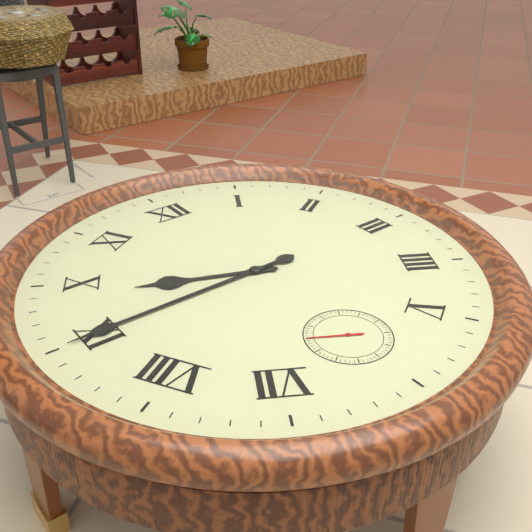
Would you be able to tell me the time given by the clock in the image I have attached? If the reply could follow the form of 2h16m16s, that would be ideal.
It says 9h45m50s
